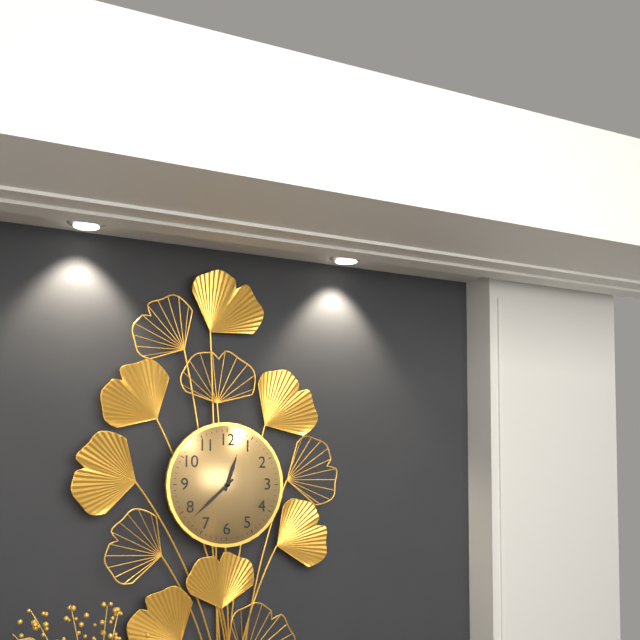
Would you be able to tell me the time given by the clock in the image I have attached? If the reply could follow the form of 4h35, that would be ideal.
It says 12h38
